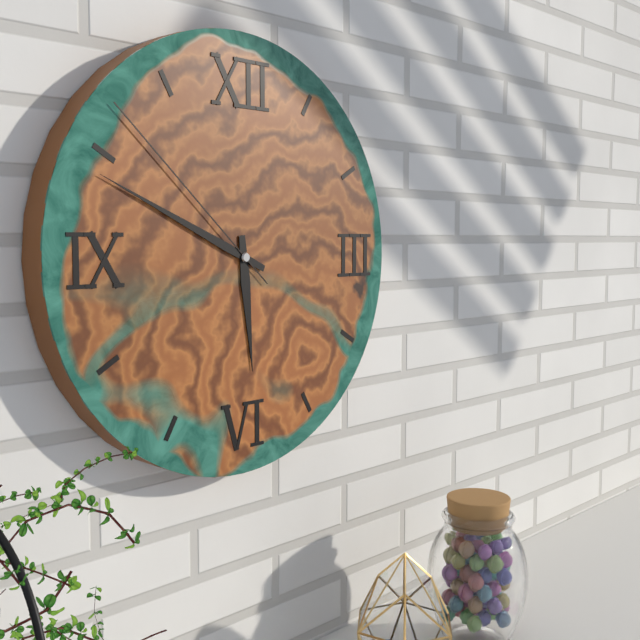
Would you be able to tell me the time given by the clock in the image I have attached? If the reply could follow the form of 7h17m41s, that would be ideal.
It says 5h49m52s
